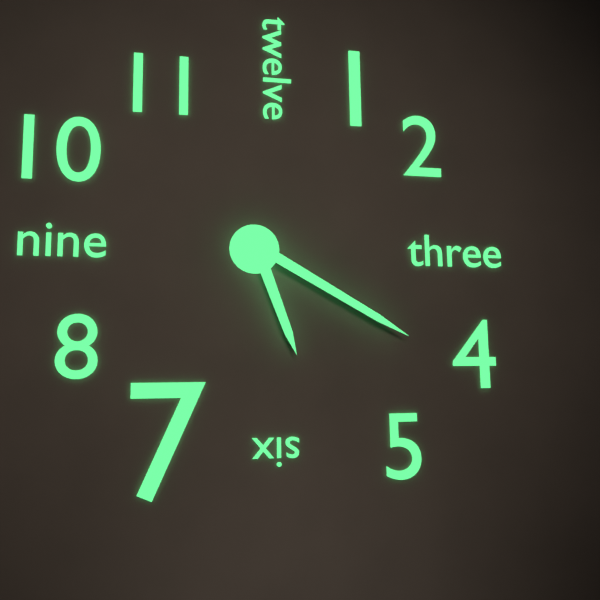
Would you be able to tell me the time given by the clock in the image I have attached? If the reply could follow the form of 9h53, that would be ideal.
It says 5h20
